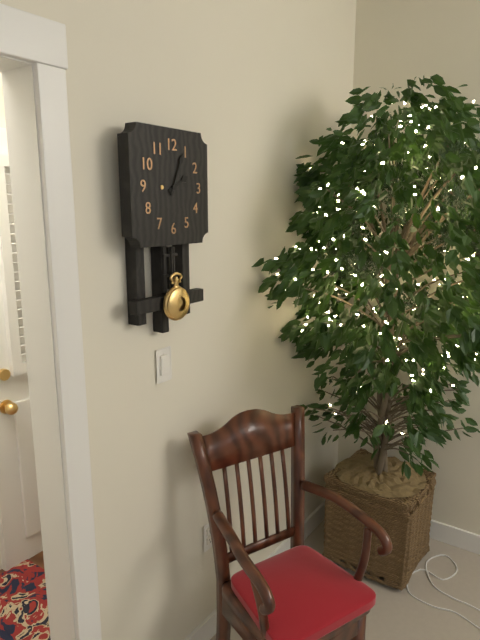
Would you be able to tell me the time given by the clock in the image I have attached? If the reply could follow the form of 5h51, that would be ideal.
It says 2h04
